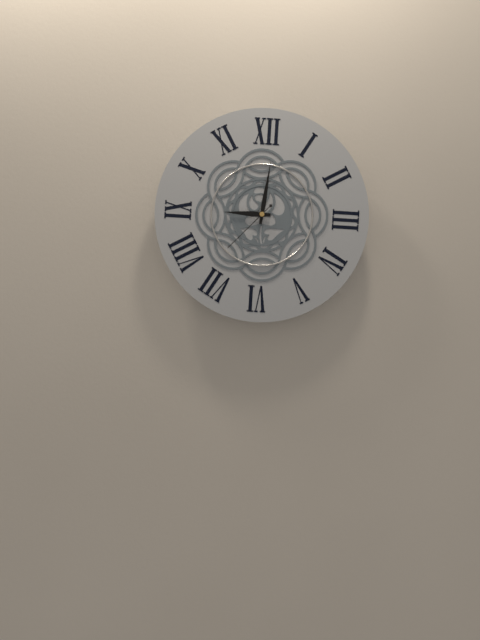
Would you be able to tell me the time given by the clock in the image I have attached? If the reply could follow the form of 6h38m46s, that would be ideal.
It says 9h01m37s
